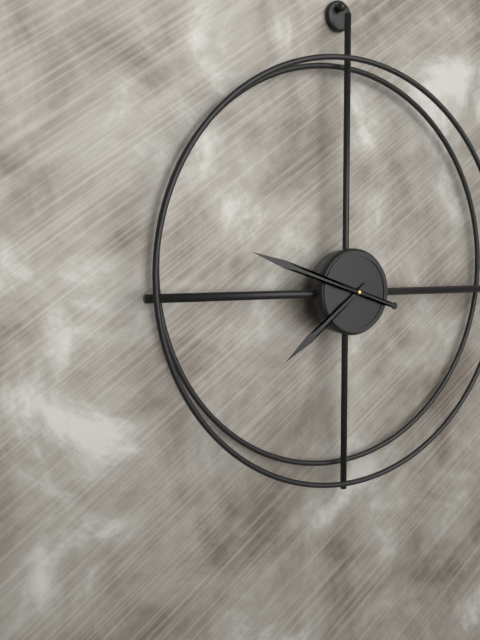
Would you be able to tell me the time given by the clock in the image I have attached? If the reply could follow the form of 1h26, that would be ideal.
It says 7h48
